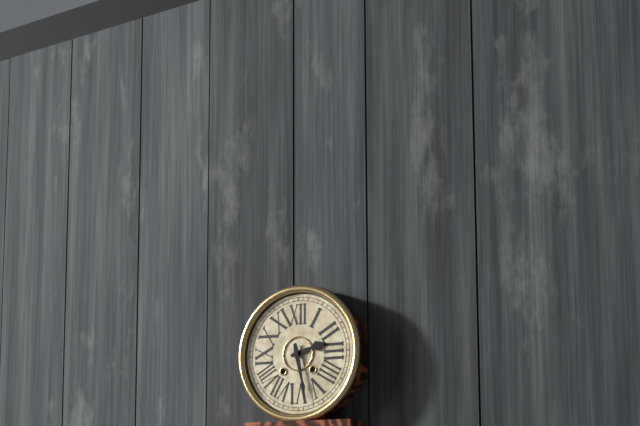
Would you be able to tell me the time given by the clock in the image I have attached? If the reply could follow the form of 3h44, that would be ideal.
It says 2h28
